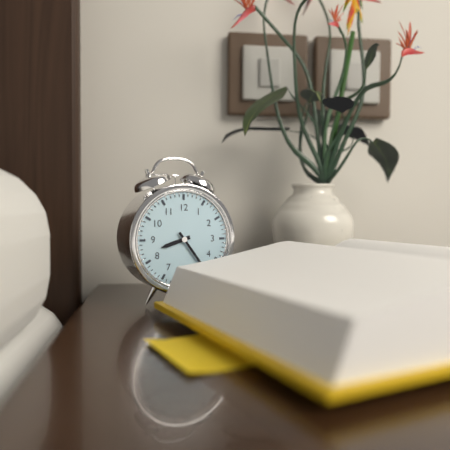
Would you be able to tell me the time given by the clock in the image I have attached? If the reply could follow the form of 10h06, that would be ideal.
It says 8h24
